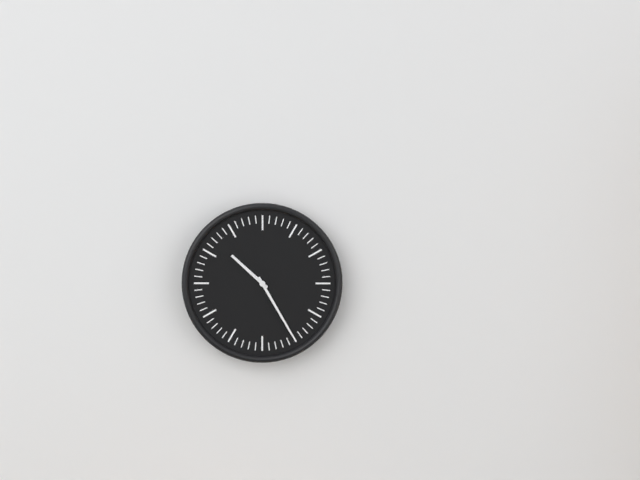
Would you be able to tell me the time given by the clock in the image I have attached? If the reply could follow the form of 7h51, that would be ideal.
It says 10h25
